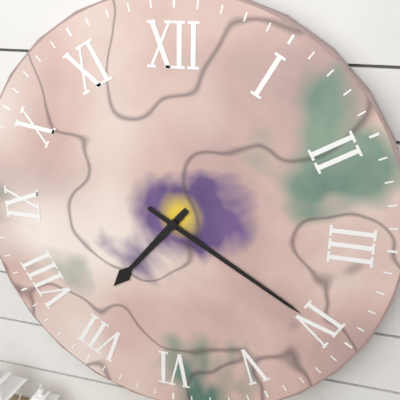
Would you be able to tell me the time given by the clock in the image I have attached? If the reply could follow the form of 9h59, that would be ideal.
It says 7h20
